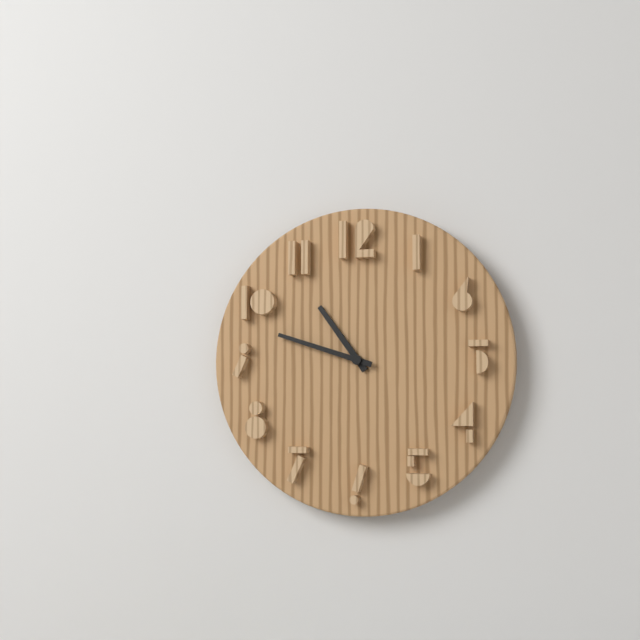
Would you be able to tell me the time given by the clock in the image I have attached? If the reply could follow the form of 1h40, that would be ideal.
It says 10h48
